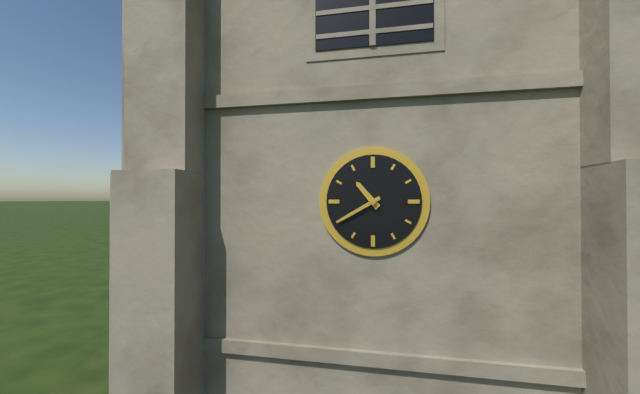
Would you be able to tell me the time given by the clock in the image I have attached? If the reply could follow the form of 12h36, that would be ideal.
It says 10h40
